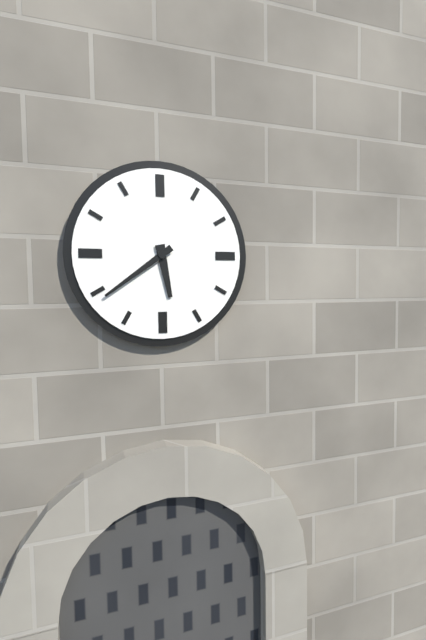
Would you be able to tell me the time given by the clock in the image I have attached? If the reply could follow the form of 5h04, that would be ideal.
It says 5h39
